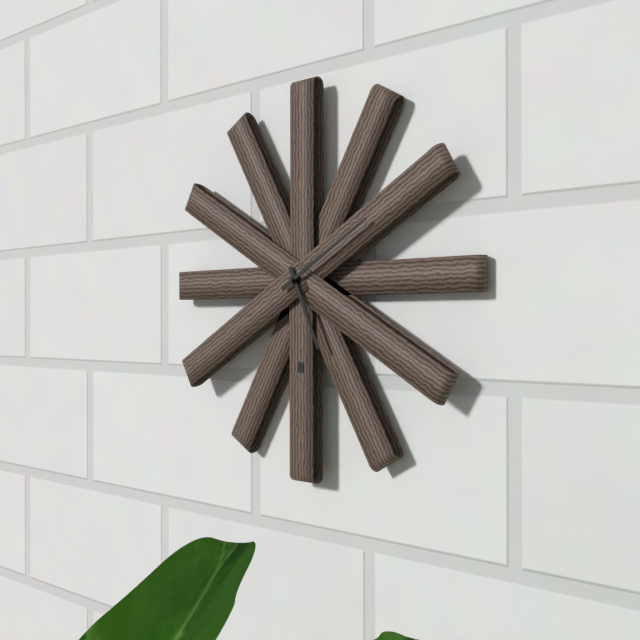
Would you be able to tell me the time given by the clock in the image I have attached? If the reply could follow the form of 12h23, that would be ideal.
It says 5h10
